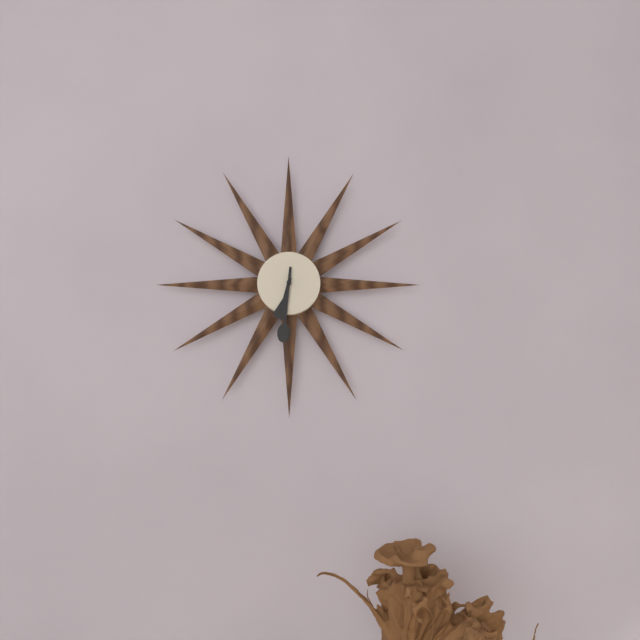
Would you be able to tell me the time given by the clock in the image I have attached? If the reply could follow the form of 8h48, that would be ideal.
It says 6h31
